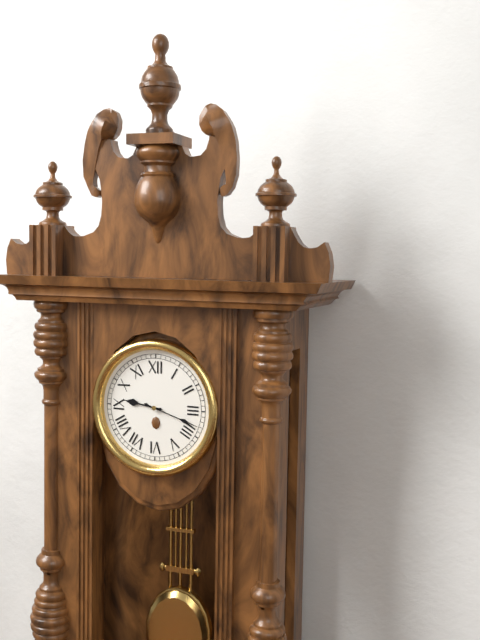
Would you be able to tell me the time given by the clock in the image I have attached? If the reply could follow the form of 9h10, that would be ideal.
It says 9h18
